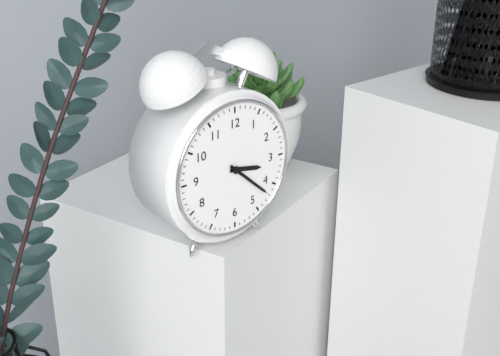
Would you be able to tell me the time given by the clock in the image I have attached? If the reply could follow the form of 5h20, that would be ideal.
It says 3h22
